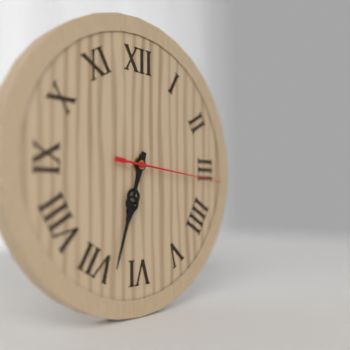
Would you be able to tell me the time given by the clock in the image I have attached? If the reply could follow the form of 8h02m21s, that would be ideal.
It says 6h33m16s
